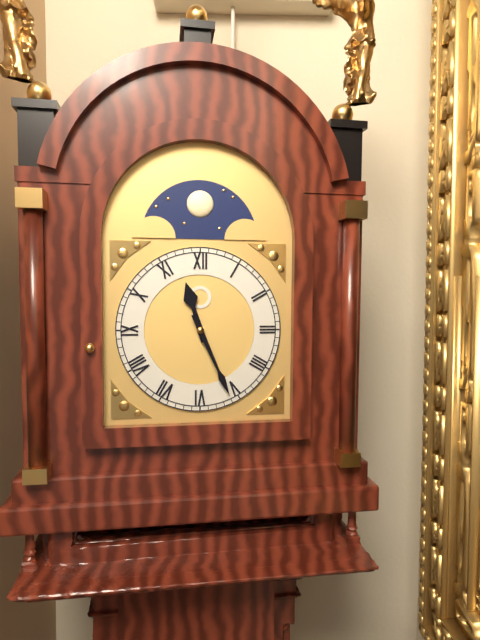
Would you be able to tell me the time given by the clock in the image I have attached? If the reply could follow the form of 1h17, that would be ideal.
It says 11h26
